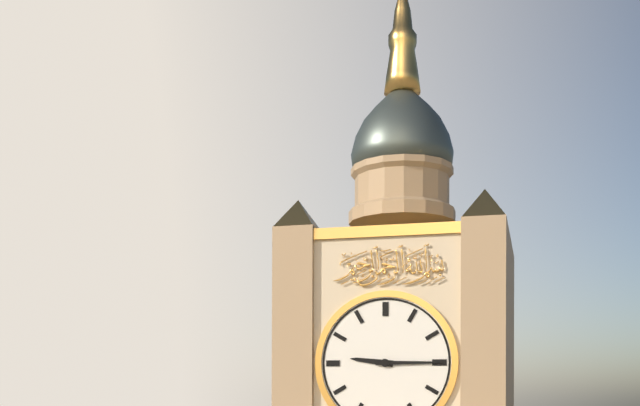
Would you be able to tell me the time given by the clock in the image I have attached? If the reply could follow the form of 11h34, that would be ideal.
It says 9h15
